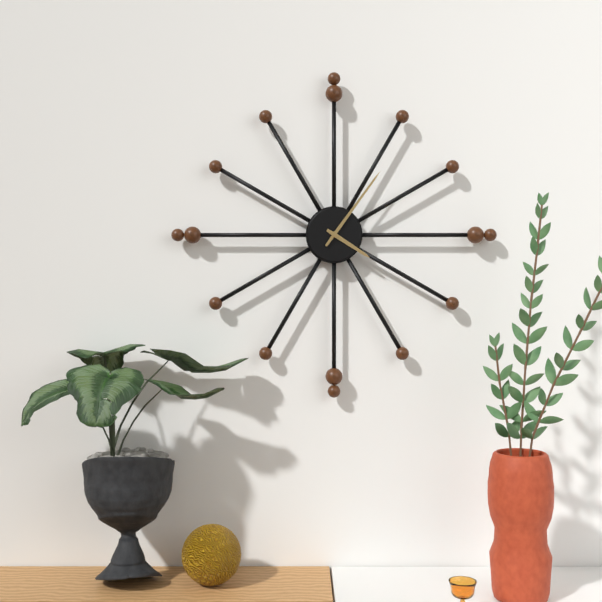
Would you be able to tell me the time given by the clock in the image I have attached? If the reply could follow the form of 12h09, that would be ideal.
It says 4h06
